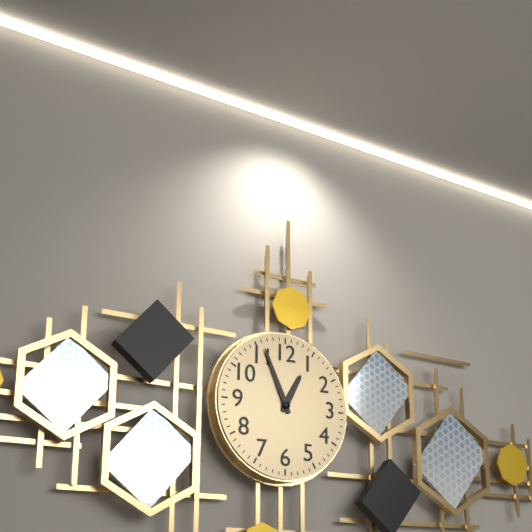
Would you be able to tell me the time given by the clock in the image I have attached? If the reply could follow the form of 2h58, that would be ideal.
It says 12h56
